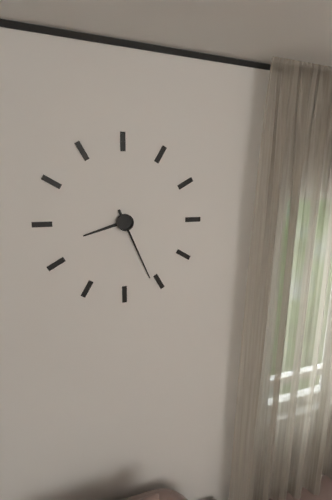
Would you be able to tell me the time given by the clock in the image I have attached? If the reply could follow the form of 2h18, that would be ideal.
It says 8h26
